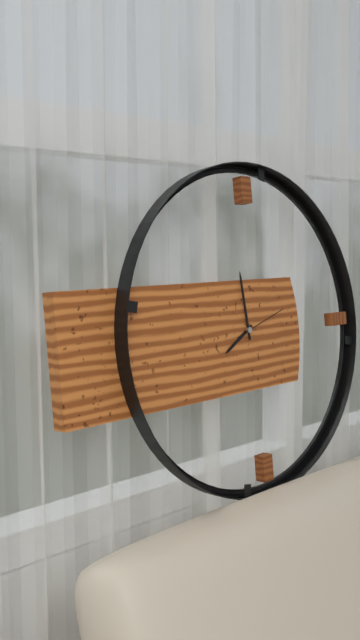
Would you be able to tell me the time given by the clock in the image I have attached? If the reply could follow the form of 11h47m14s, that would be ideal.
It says 7h59m12s
